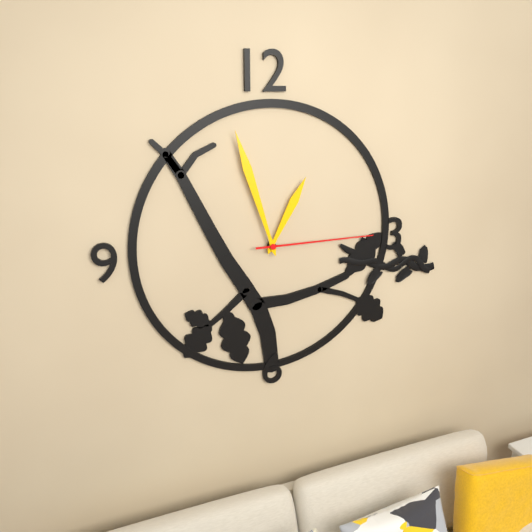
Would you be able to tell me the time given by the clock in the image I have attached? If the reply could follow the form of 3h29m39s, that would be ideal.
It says 12h57m15s
